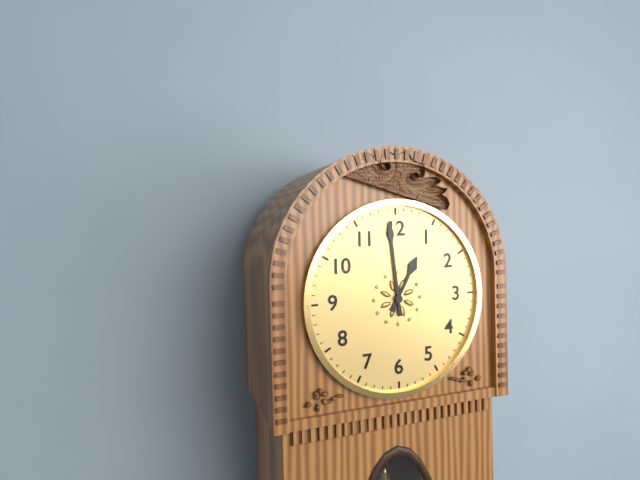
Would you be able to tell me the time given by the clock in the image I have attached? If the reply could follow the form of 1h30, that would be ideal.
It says 12h59
